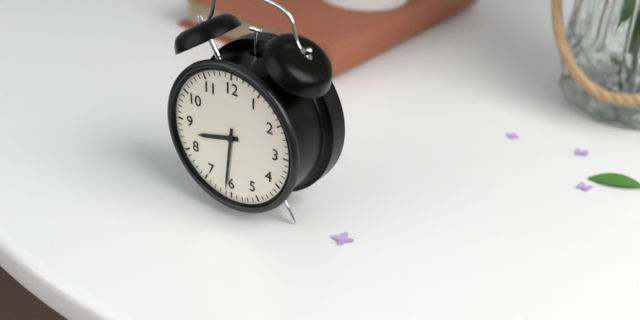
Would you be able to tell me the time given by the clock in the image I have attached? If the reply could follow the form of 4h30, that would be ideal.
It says 8h31
